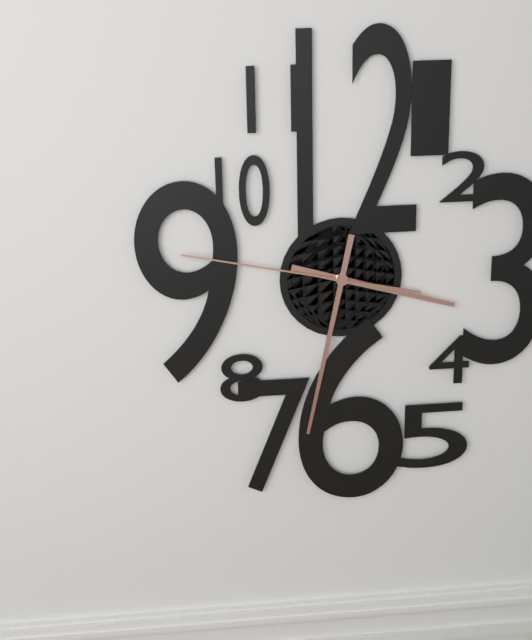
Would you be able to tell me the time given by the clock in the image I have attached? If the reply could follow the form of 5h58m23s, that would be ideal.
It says 3h32m47s
